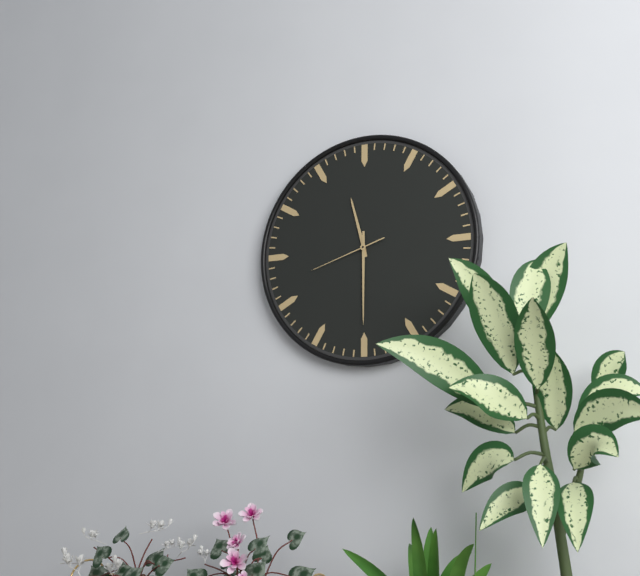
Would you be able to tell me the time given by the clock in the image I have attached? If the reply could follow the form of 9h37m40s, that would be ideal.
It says 11h30m42s
